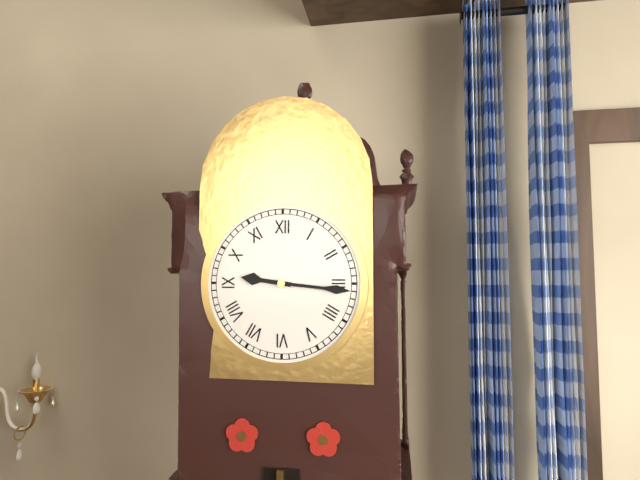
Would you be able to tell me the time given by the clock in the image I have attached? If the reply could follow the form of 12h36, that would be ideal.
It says 9h16
